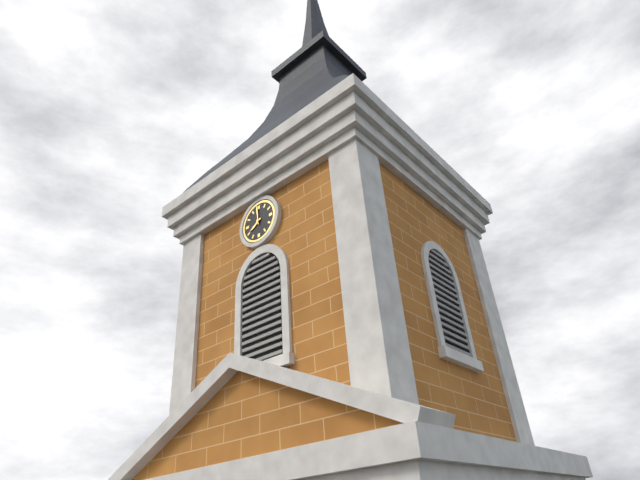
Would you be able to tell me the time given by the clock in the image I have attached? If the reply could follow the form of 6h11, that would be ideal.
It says 7h59
